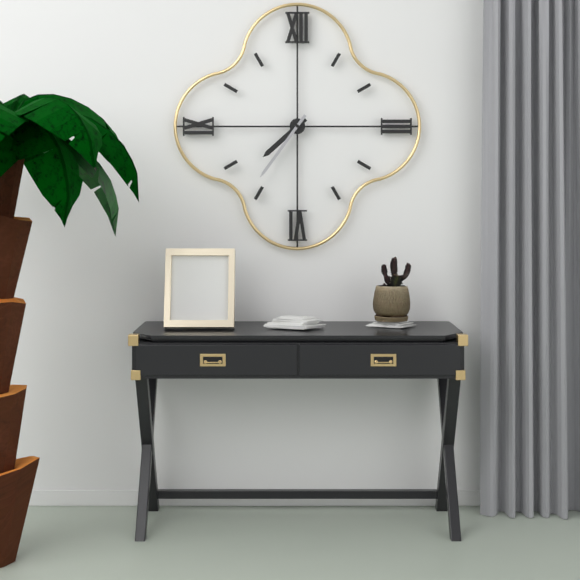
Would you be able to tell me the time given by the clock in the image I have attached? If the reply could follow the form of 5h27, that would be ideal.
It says 7h36
